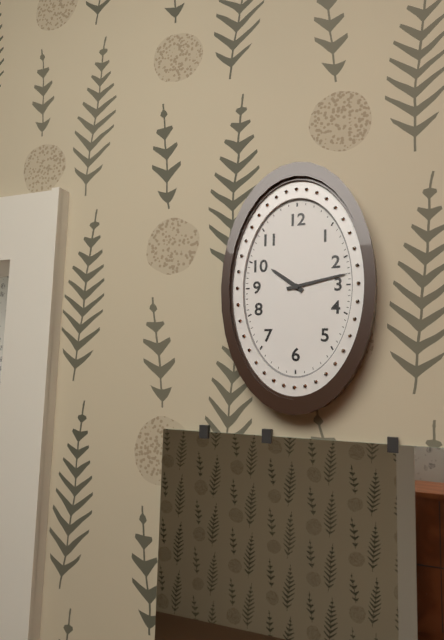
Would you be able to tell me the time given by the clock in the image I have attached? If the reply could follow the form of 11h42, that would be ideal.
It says 10h13
